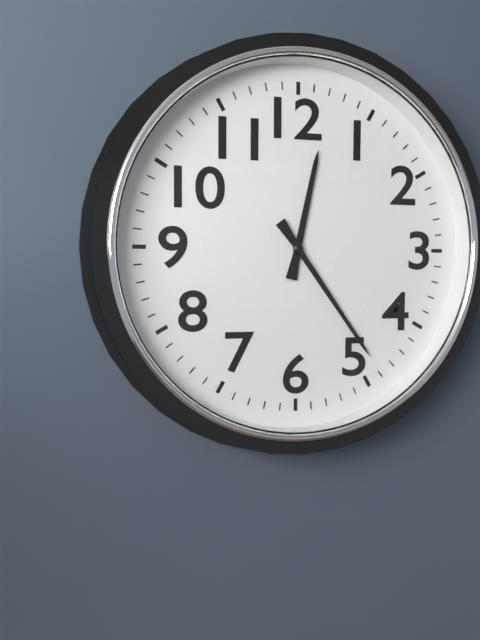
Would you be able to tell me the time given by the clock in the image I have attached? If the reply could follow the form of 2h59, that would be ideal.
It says 12h24
